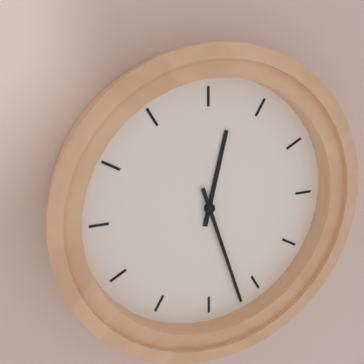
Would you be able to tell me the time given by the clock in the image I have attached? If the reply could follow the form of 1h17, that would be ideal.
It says 12h27
